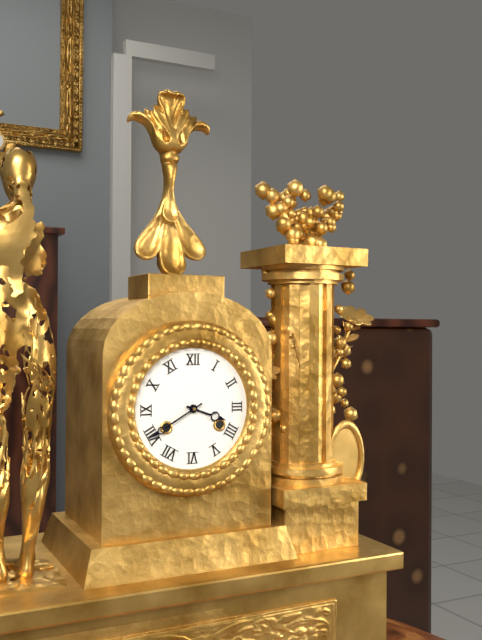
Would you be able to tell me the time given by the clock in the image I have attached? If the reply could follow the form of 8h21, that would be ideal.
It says 3h40
